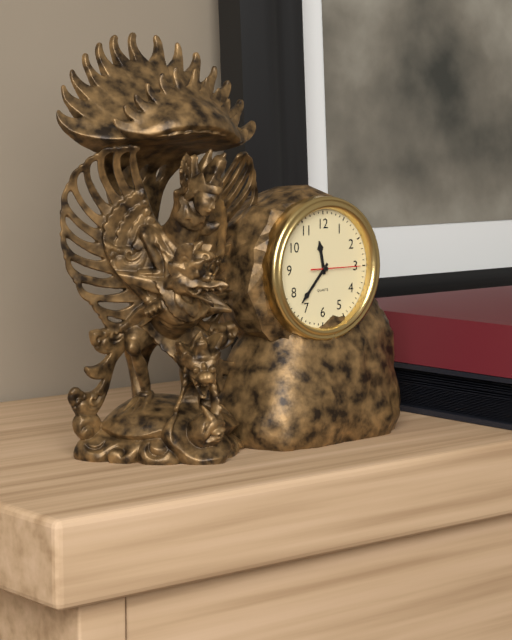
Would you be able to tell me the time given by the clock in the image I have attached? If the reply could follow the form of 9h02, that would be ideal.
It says 11h37
